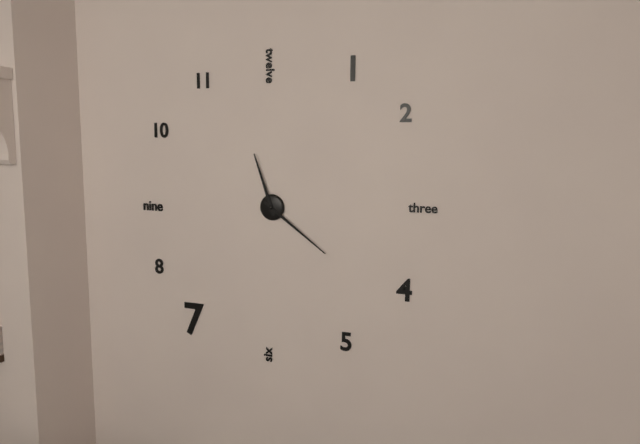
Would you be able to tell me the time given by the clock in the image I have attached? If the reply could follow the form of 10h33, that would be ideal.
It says 11h21
